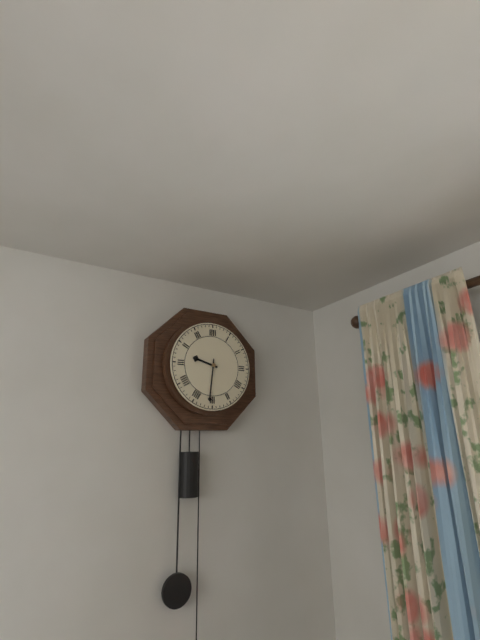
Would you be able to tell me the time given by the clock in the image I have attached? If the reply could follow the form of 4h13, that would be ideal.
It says 9h31
